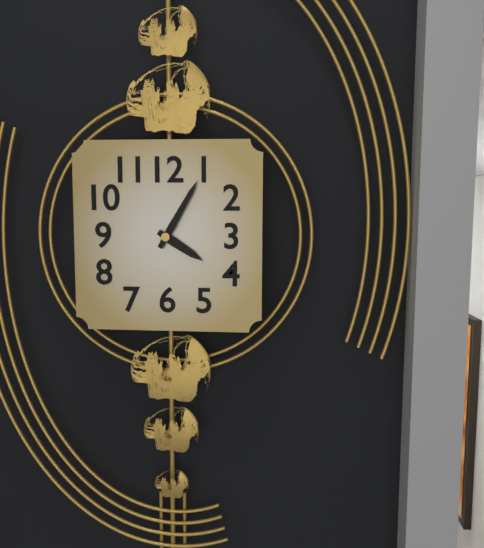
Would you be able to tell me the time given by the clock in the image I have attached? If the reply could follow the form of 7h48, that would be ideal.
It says 4h05
